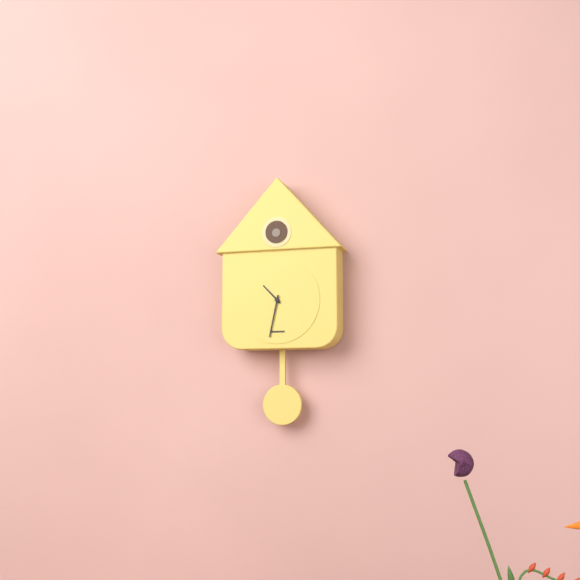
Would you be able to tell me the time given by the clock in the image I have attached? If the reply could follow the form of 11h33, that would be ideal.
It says 10h32
